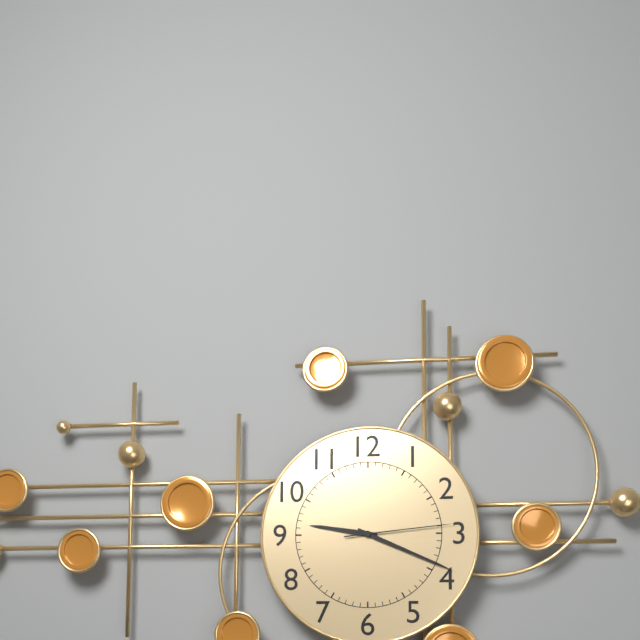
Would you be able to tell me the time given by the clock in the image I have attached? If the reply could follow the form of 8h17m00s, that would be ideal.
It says 9h19m14s
